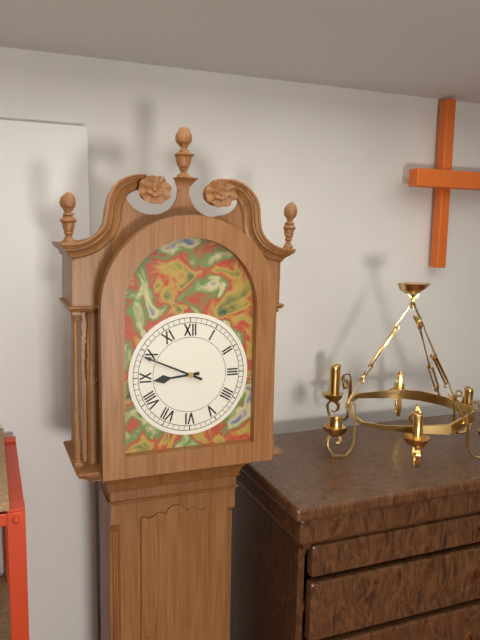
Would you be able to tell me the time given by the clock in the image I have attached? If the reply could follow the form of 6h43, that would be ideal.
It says 8h49
